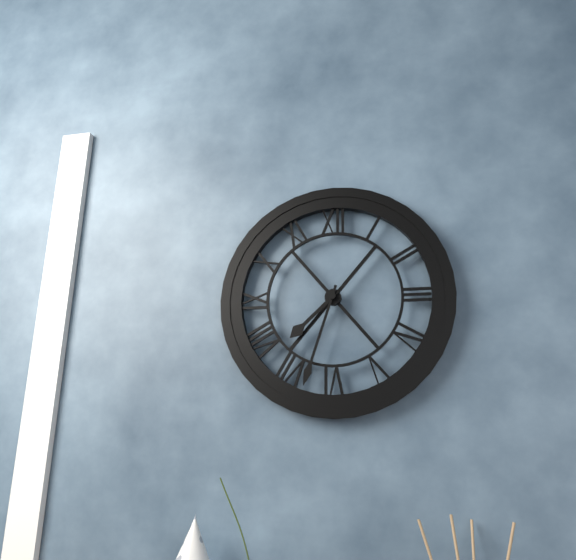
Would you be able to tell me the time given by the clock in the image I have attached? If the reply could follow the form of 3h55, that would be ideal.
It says 7h33
